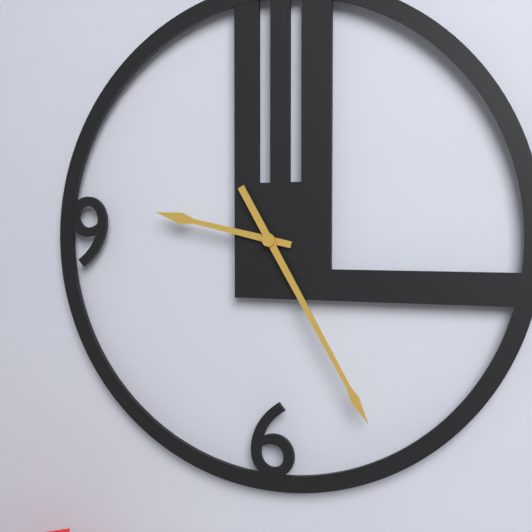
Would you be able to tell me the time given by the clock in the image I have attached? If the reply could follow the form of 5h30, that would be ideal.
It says 9h25
